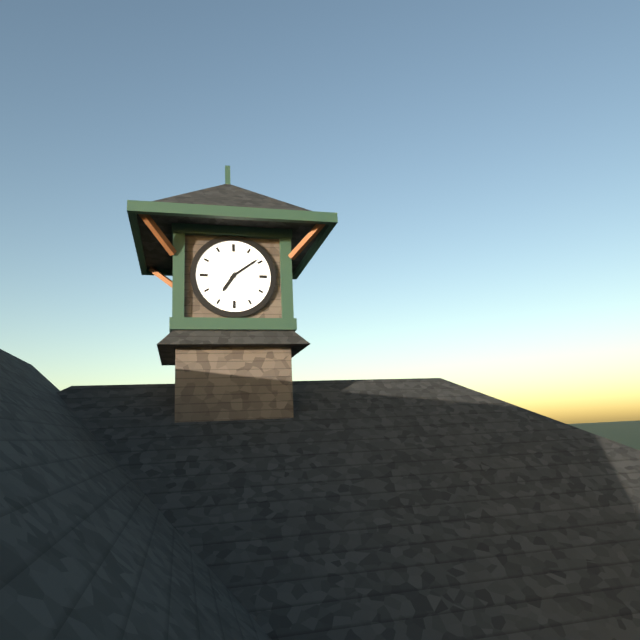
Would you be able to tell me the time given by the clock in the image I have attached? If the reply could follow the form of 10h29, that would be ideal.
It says 7h09
